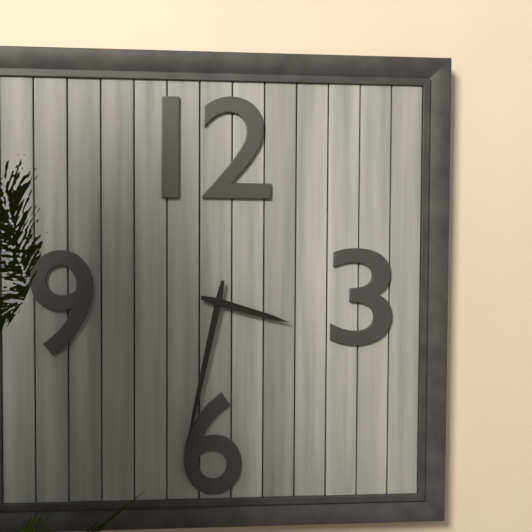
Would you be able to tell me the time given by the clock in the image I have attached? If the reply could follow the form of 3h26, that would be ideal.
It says 3h32
